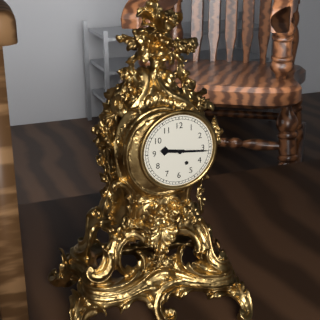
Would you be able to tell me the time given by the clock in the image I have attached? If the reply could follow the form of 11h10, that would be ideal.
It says 9h16
